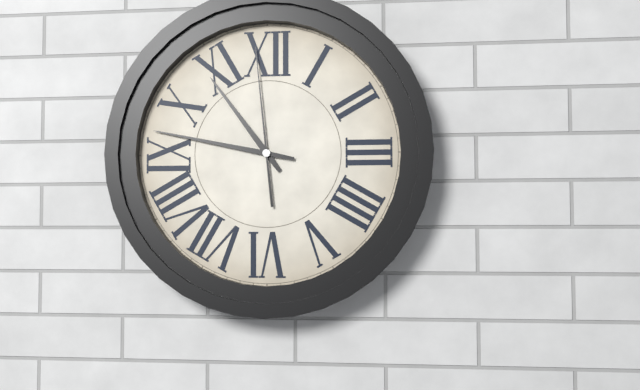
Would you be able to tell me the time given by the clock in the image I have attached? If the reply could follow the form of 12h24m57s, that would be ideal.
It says 10h47m59s
